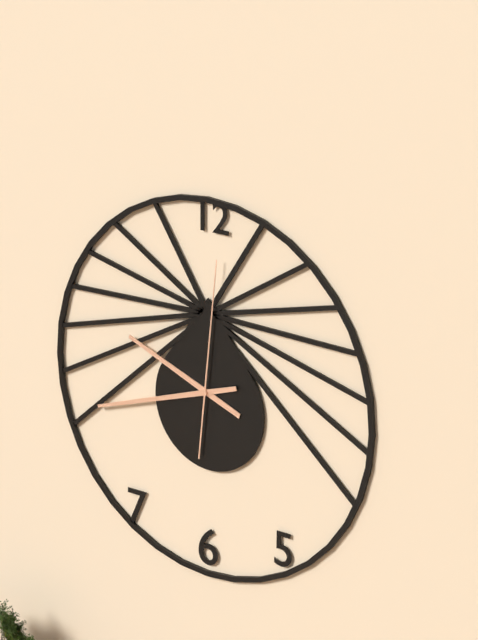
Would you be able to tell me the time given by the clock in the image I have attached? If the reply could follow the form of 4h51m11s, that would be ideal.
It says 9h42m01s
